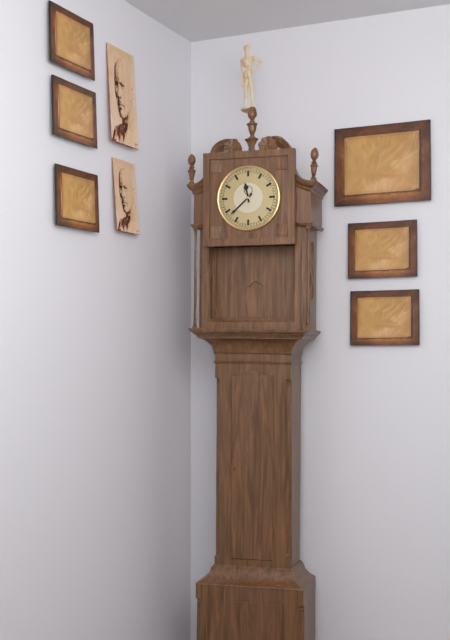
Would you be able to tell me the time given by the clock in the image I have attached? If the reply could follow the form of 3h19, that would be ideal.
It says 11h38
